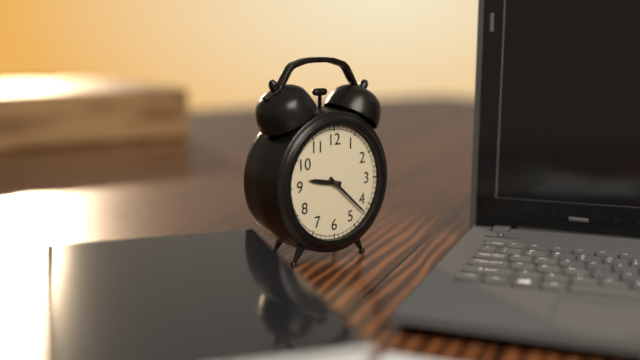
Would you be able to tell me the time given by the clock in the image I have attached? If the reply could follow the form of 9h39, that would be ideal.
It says 9h22
